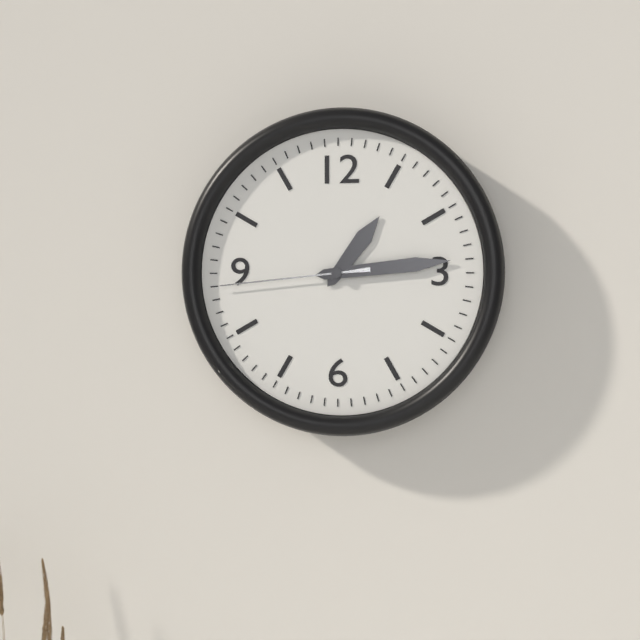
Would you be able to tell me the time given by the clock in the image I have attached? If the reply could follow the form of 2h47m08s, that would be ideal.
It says 1h14m44s
